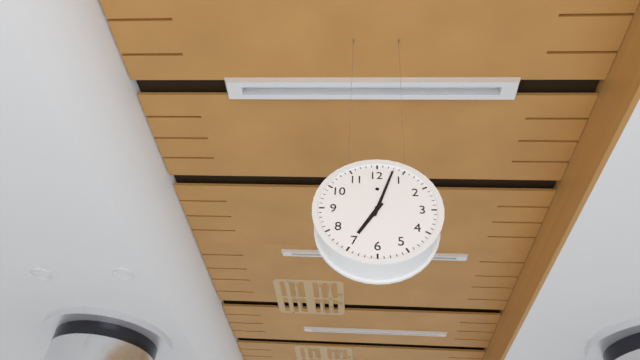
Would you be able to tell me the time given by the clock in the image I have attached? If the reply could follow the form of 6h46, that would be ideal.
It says 7h03
